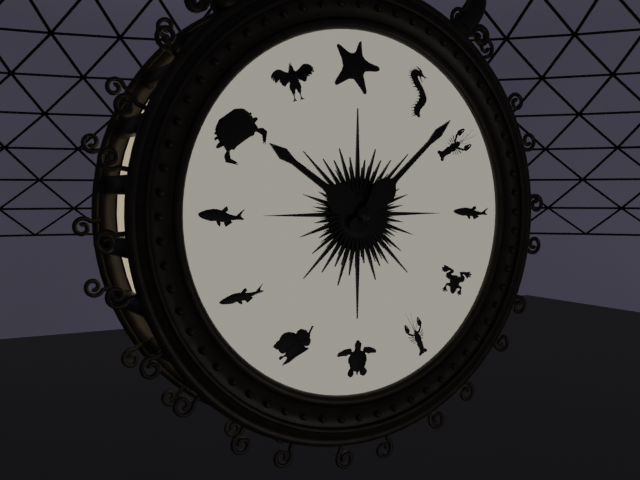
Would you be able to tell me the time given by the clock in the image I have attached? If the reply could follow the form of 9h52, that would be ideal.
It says 10h08
